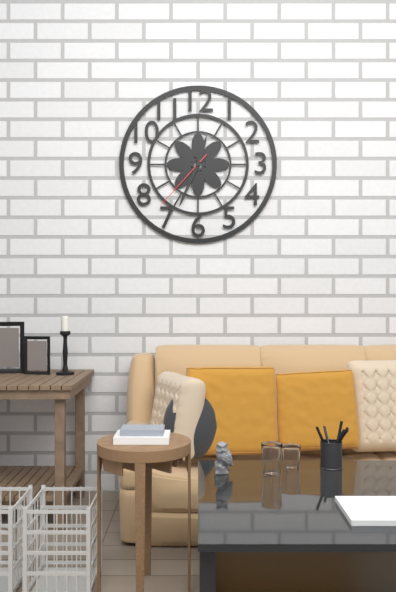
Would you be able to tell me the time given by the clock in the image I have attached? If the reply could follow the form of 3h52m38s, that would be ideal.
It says 12h34m37s
